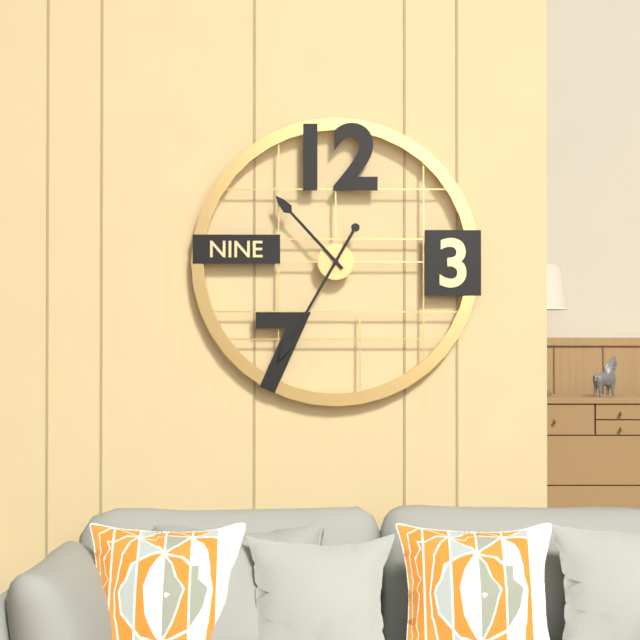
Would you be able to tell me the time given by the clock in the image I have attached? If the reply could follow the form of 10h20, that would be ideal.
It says 10h35
